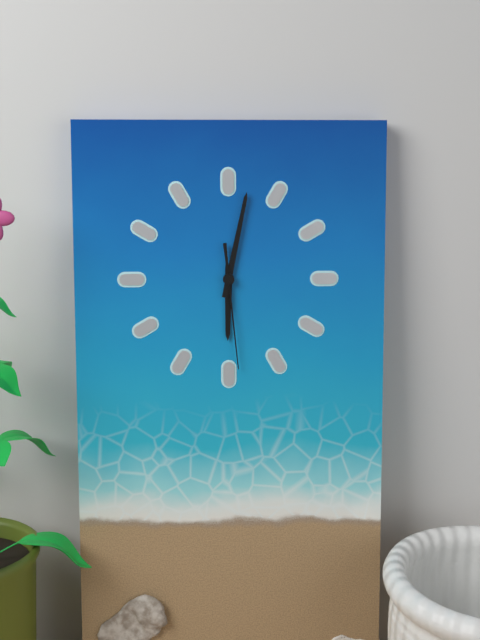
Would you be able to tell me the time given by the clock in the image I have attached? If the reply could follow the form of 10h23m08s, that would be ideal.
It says 6h02m29s
